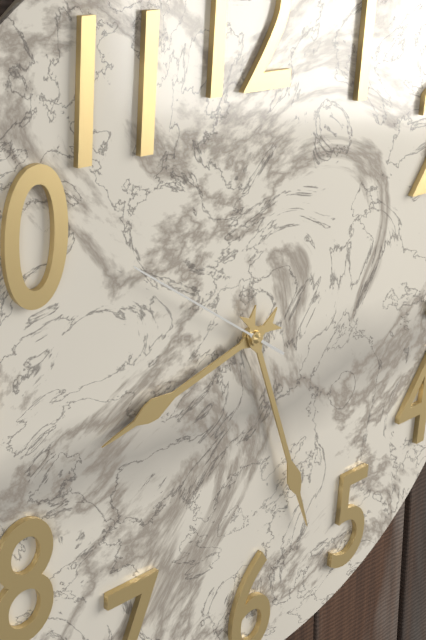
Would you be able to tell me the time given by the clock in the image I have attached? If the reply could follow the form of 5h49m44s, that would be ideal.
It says 8h27m51s
